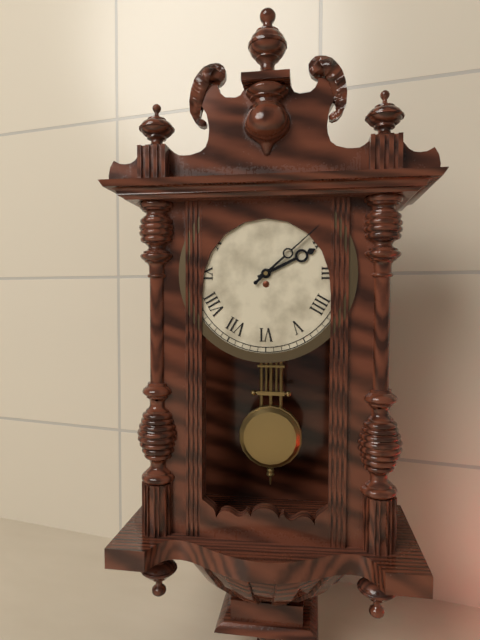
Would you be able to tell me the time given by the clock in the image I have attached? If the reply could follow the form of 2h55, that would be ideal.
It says 2h08
